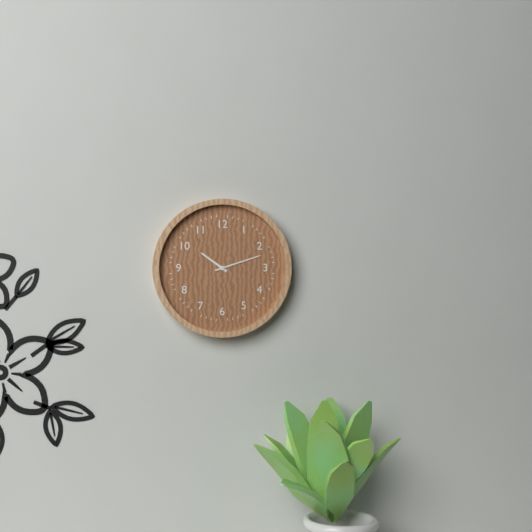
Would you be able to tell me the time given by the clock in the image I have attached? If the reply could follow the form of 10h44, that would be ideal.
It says 10h12
